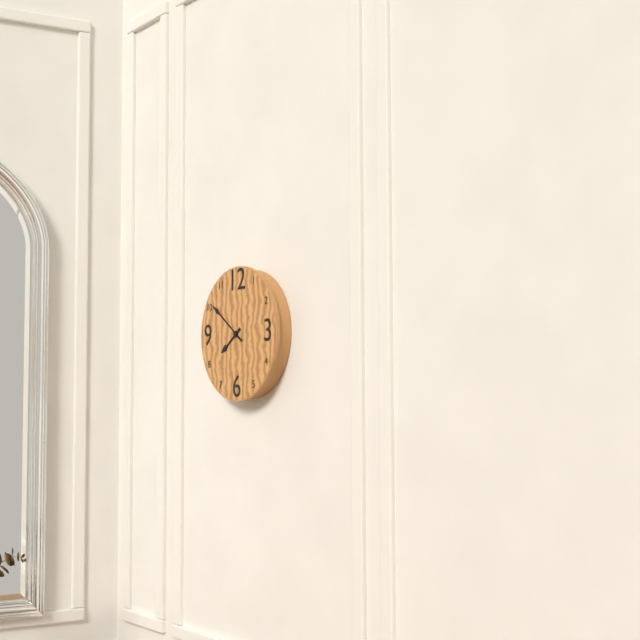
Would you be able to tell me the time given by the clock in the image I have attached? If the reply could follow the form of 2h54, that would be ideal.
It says 7h51
